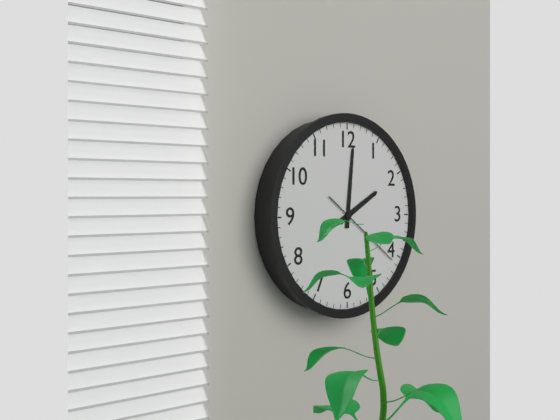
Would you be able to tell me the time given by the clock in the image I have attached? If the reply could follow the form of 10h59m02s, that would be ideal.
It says 2h01m21s
